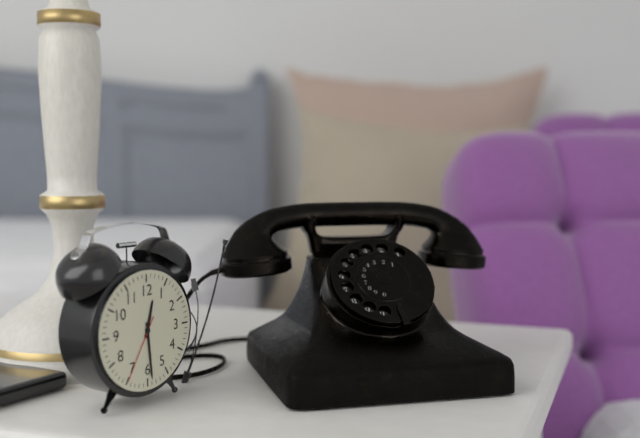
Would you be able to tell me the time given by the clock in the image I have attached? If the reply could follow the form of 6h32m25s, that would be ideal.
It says 12h29m35s
